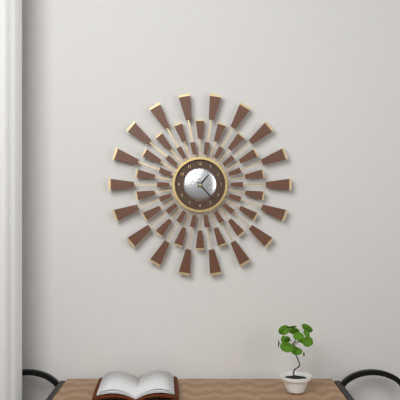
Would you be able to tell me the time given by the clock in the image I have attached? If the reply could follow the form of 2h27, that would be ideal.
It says 1h23
